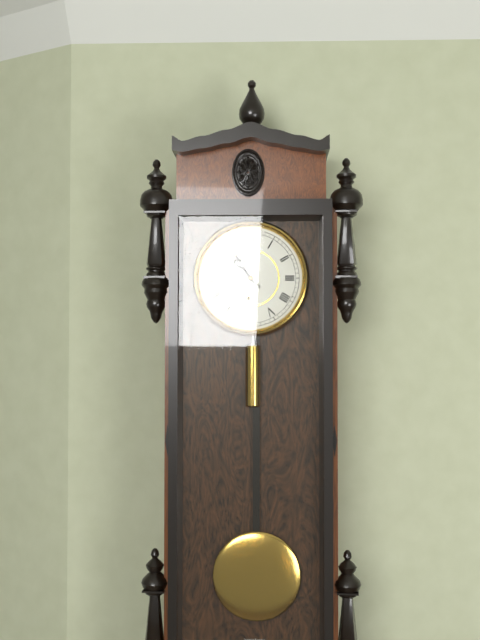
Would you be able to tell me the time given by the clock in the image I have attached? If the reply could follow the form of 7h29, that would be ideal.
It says 10h53
